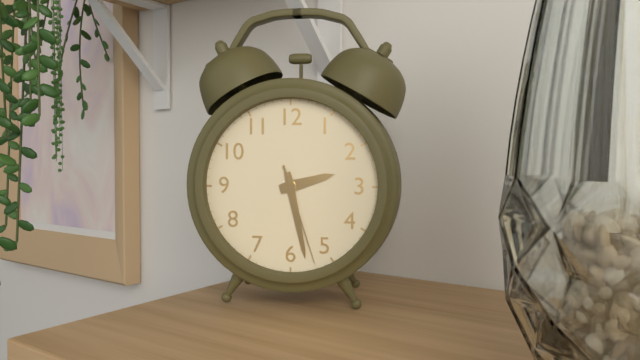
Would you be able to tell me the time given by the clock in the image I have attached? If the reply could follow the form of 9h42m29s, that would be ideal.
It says 2h28m27s
